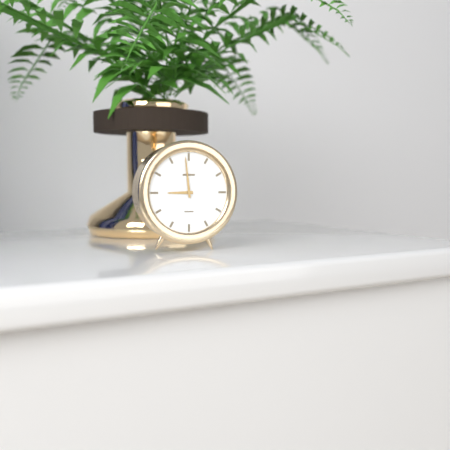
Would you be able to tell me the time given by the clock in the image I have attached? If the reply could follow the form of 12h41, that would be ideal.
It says 8h59
